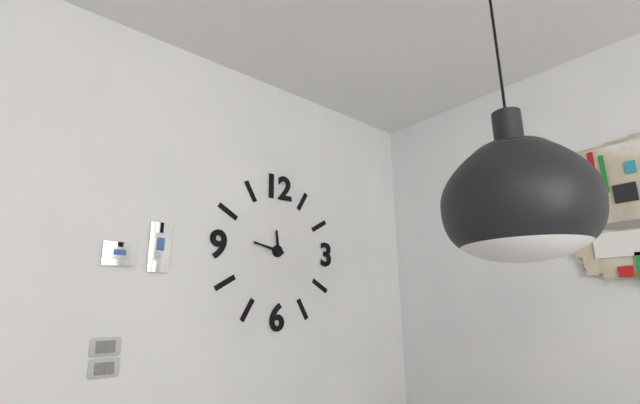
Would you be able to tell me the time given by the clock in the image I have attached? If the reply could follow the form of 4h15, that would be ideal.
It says 11h47
